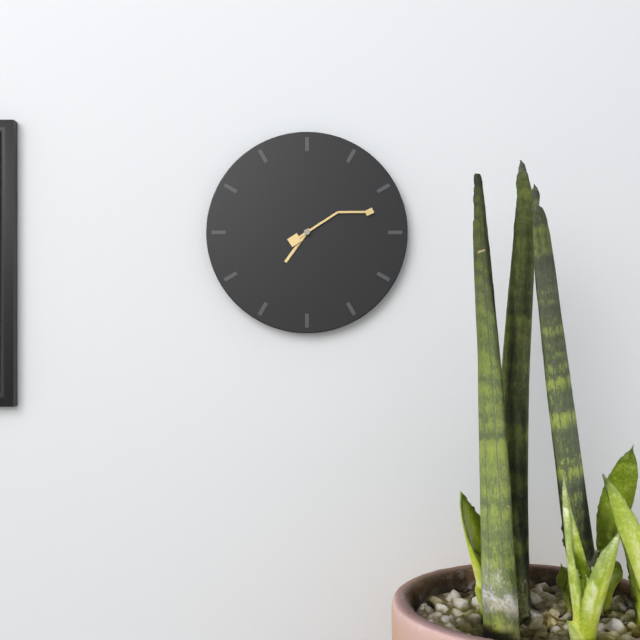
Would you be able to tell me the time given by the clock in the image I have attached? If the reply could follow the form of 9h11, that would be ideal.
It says 7h12
